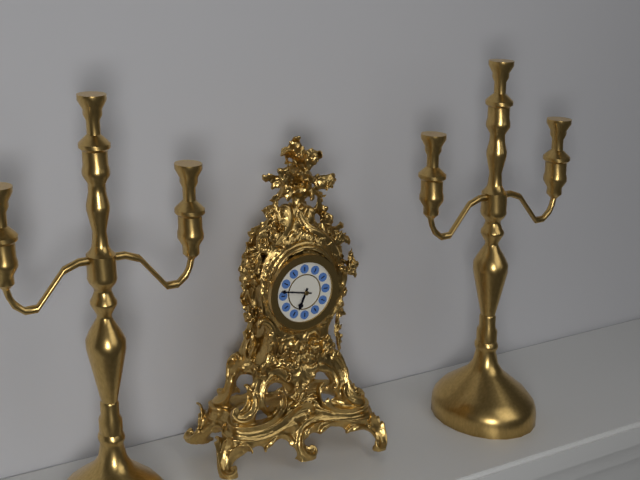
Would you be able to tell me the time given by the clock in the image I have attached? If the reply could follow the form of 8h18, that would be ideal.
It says 6h47
